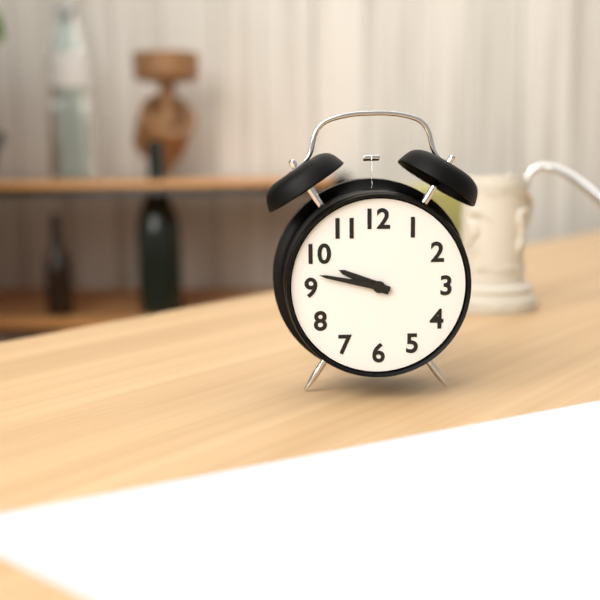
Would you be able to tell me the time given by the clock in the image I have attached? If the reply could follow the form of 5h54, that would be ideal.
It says 9h47
